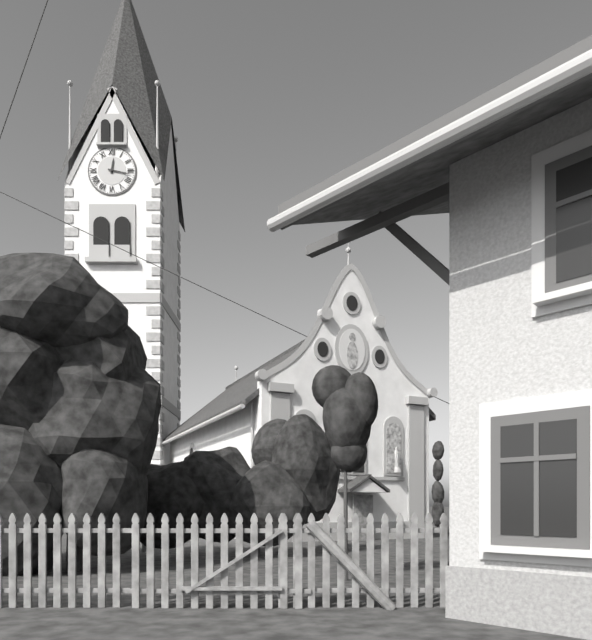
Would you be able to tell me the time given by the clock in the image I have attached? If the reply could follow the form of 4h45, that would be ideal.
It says 12h17
